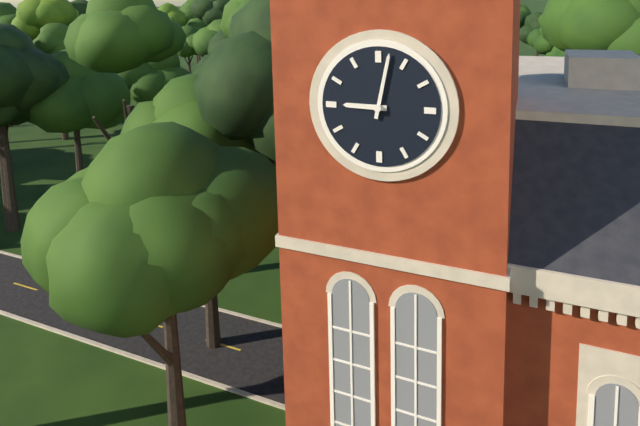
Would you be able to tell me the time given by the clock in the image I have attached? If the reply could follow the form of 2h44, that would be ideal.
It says 9h02
